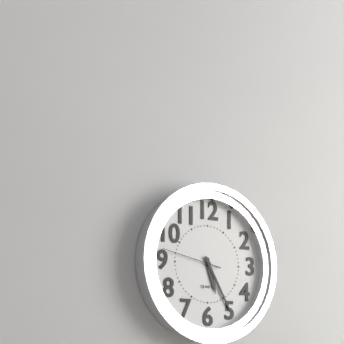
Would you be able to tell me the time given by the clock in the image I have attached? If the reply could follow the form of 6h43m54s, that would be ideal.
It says 5h25m47s
